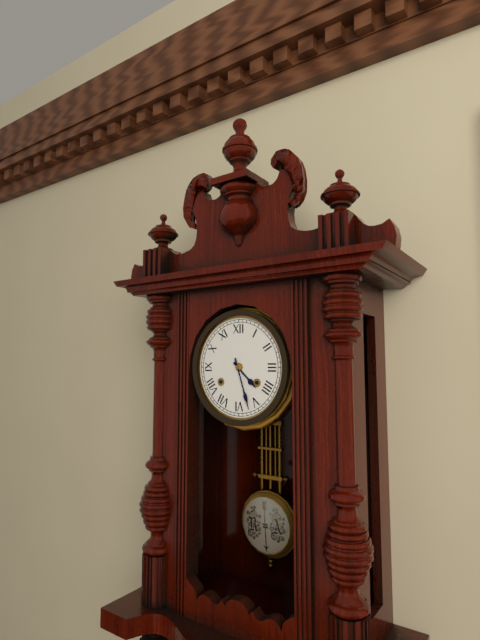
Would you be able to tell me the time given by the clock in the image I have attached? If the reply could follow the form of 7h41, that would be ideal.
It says 4h27
